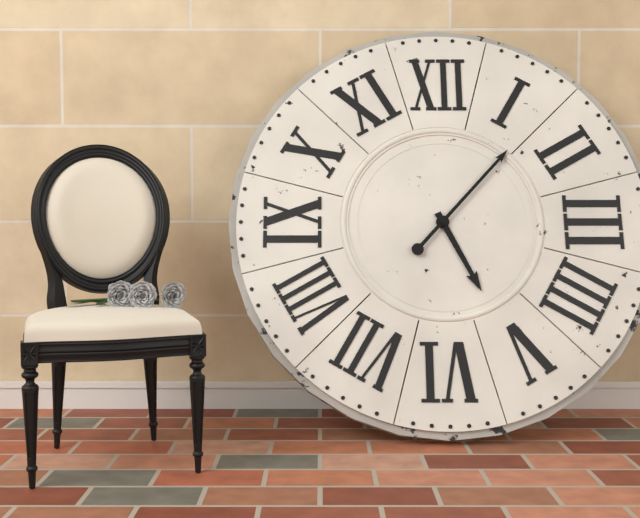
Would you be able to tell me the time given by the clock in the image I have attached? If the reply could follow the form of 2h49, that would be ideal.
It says 5h07
